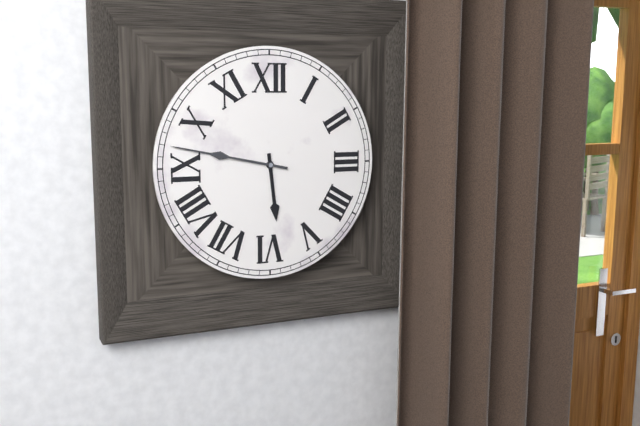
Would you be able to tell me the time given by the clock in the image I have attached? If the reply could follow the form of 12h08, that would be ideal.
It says 5h47
